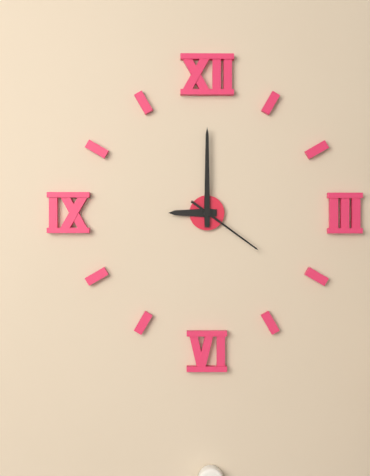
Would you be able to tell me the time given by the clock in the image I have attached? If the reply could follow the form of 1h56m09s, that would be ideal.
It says 9h00m21s
